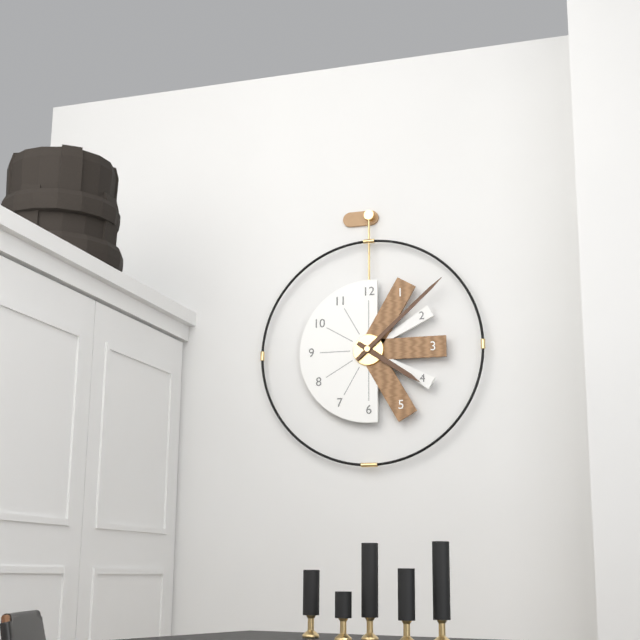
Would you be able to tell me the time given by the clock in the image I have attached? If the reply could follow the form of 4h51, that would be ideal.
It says 4h08
